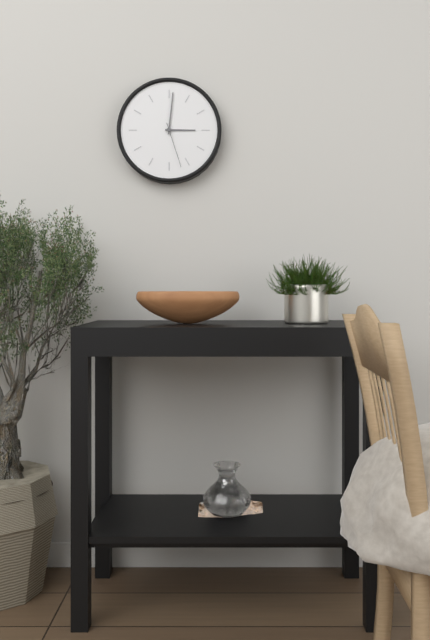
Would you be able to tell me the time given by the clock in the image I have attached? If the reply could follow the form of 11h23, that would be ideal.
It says 3h01
